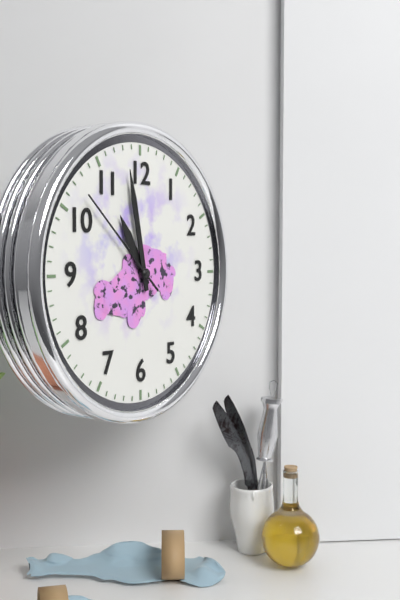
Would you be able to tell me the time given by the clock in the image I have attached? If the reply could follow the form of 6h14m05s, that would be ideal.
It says 10h58m52s
